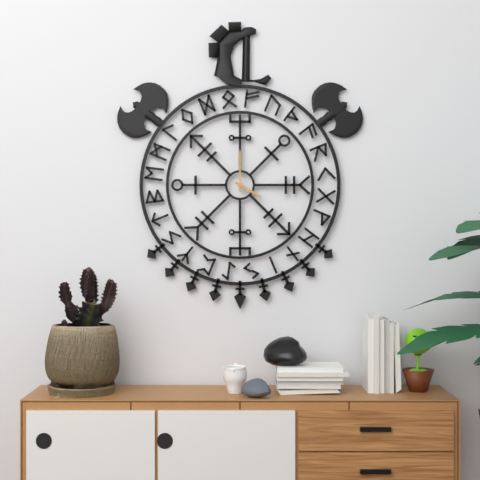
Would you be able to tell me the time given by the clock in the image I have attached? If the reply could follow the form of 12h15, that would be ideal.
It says 4h00
